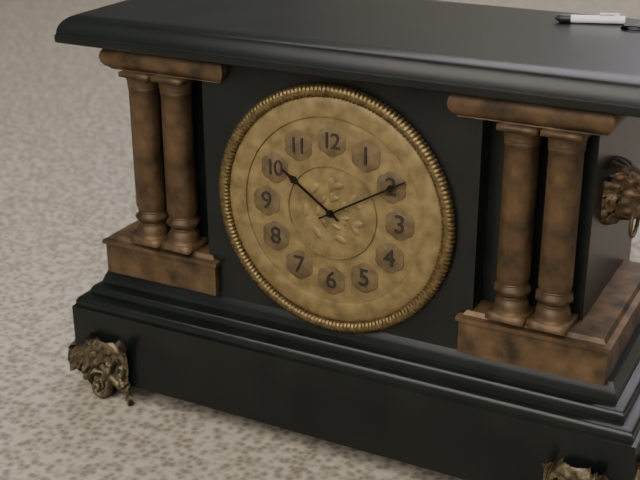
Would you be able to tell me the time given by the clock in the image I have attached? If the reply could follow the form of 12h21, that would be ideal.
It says 10h10
